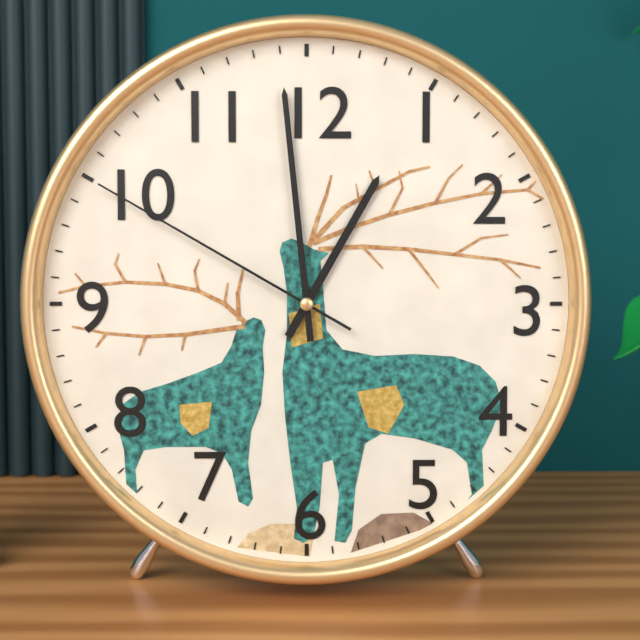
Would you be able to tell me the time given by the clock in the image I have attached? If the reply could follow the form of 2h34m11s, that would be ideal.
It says 12h59m50s
